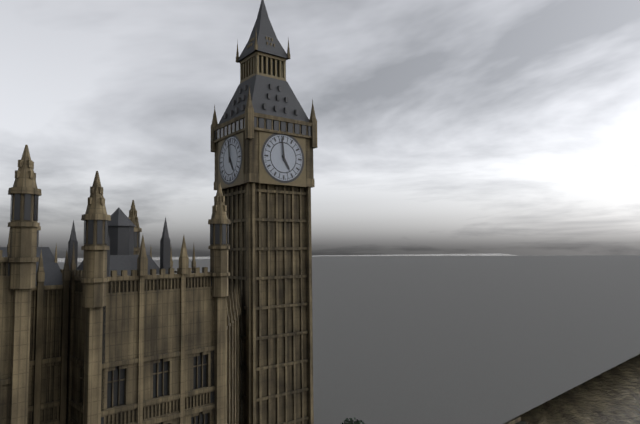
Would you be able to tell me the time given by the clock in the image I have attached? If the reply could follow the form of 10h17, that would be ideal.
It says 4h59
